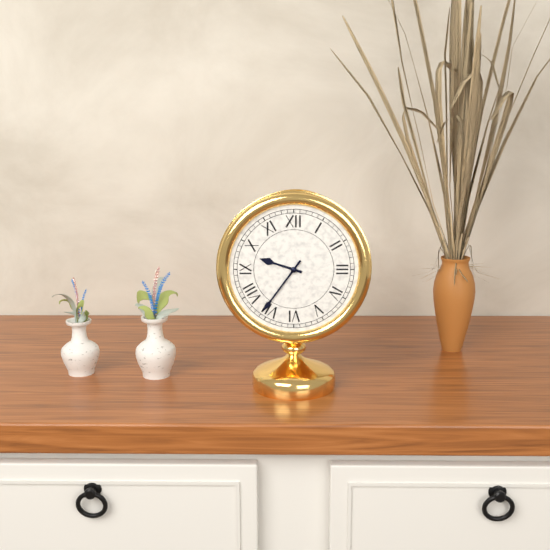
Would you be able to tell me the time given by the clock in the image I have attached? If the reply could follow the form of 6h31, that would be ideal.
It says 9h36
